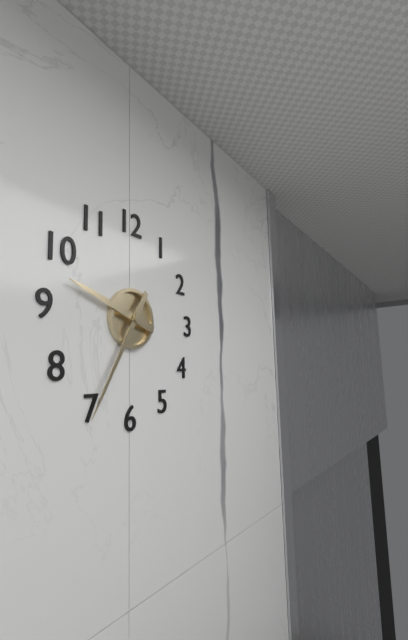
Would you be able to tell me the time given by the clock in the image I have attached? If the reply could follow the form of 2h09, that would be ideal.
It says 9h35
